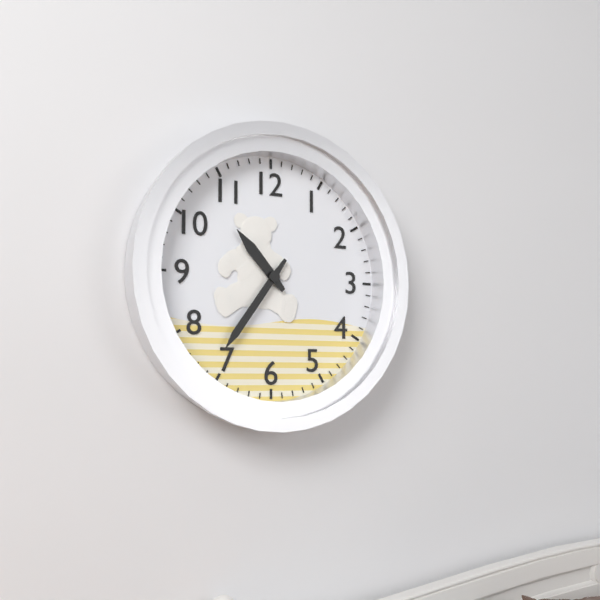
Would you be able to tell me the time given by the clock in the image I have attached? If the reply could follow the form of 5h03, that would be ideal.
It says 10h36
